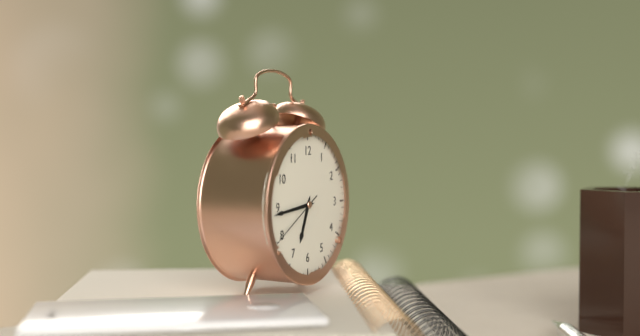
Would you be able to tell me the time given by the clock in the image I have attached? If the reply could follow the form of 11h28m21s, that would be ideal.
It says 6h44m40s
